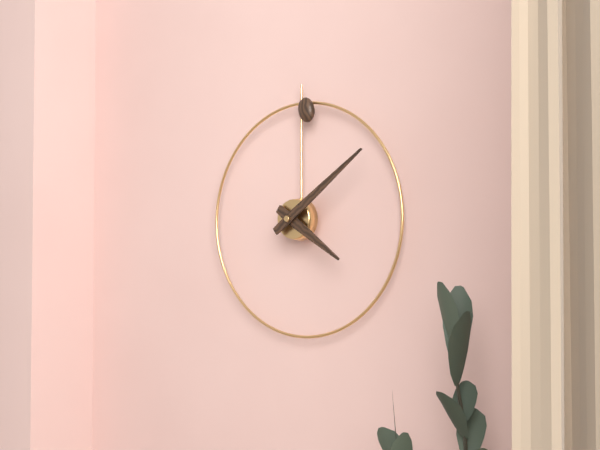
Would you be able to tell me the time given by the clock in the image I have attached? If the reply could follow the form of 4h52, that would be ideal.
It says 4h09
